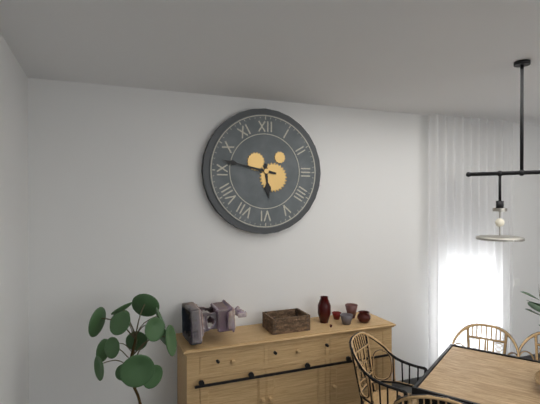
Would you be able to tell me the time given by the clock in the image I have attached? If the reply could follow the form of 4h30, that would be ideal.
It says 5h47
